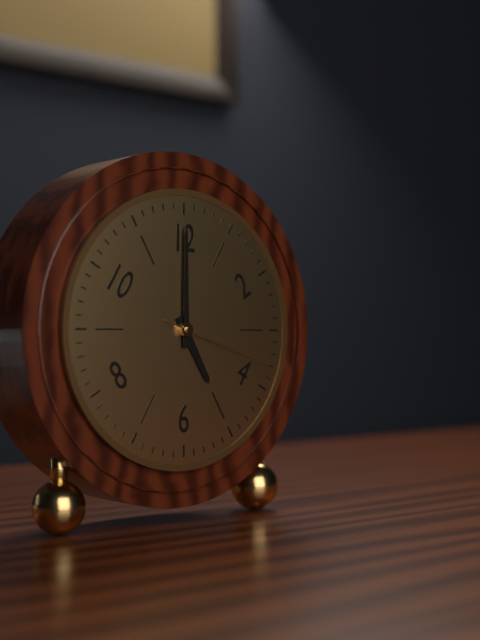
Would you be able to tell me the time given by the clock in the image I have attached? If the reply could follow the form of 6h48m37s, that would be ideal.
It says 5h00m18s
